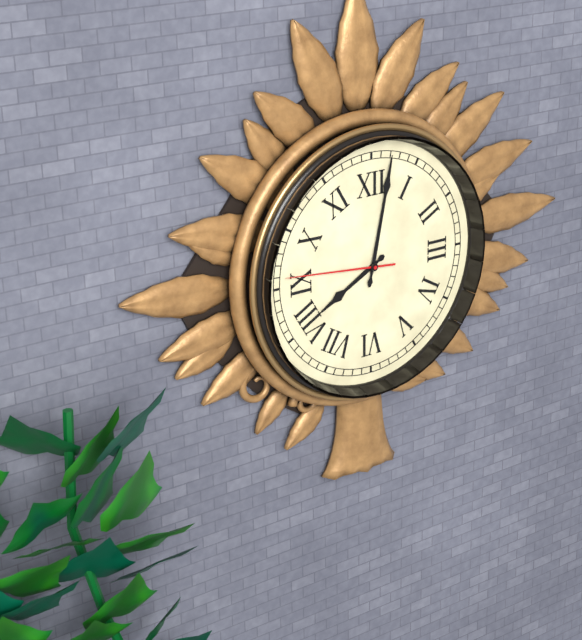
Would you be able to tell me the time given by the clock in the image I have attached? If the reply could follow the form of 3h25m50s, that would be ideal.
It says 8h02m46s
